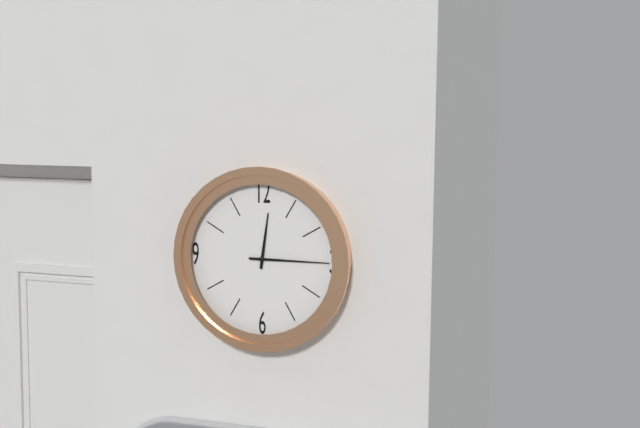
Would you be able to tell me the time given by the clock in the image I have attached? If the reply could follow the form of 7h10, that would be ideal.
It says 12h15
